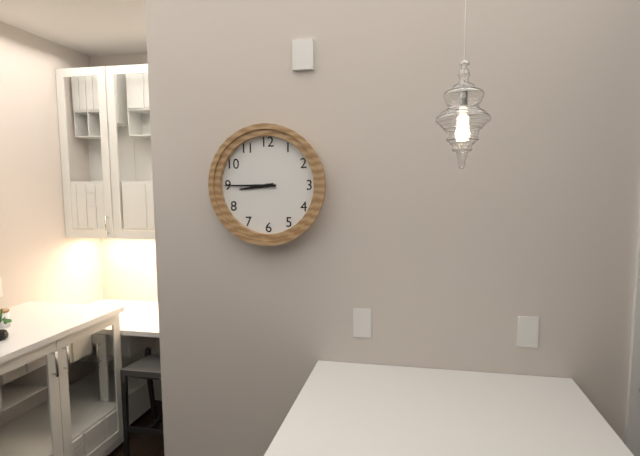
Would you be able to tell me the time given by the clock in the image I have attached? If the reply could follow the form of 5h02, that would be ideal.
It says 8h45
